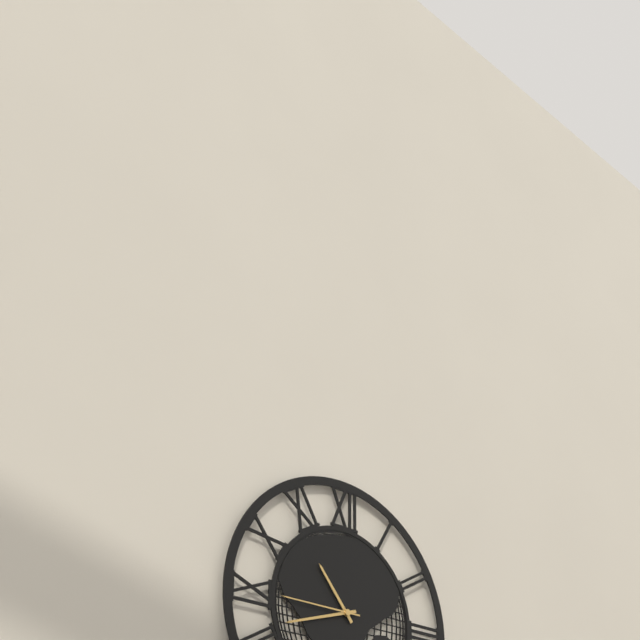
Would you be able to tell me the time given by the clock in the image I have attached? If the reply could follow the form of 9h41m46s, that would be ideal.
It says 10h42m45s
